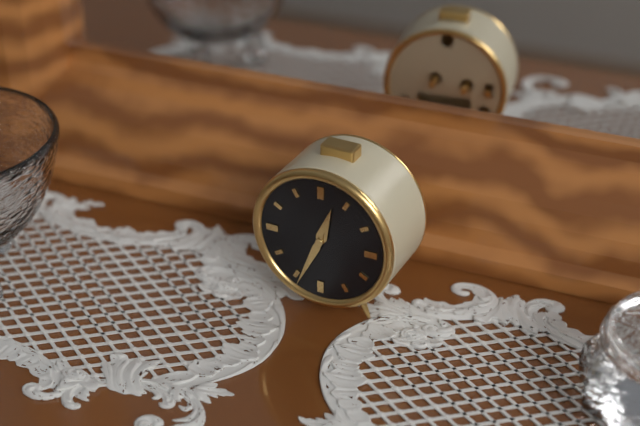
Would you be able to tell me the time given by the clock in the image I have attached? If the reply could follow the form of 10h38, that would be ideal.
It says 12h34
